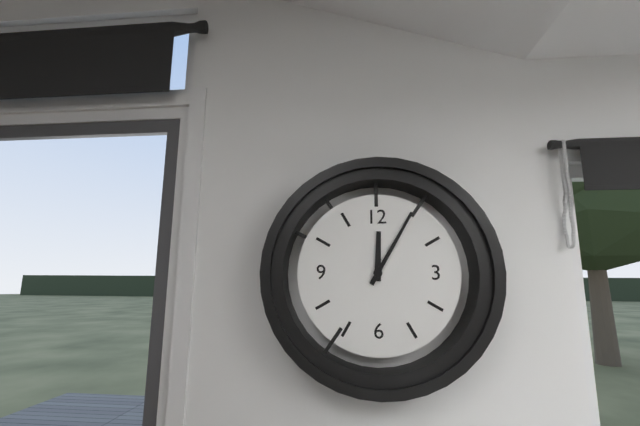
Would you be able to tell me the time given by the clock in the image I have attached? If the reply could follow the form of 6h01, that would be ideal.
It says 12h05
